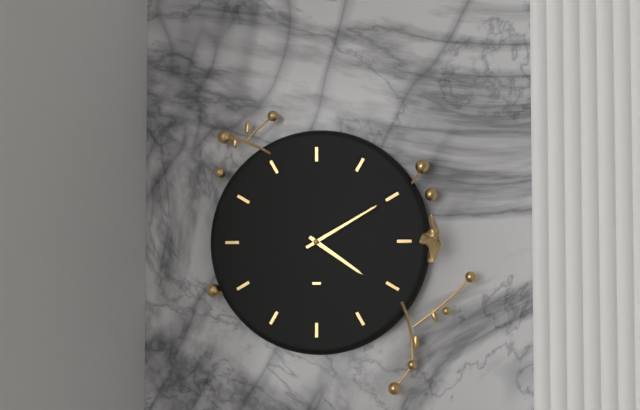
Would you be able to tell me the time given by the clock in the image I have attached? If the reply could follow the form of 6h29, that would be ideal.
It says 4h10
